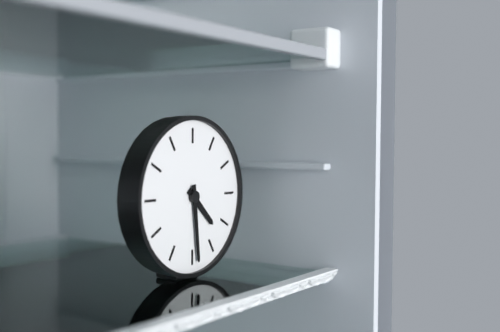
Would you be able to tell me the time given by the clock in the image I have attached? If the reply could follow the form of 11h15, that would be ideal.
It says 4h29
